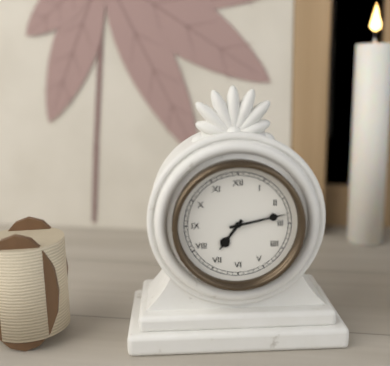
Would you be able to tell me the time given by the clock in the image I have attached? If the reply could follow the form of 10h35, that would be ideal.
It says 7h13
